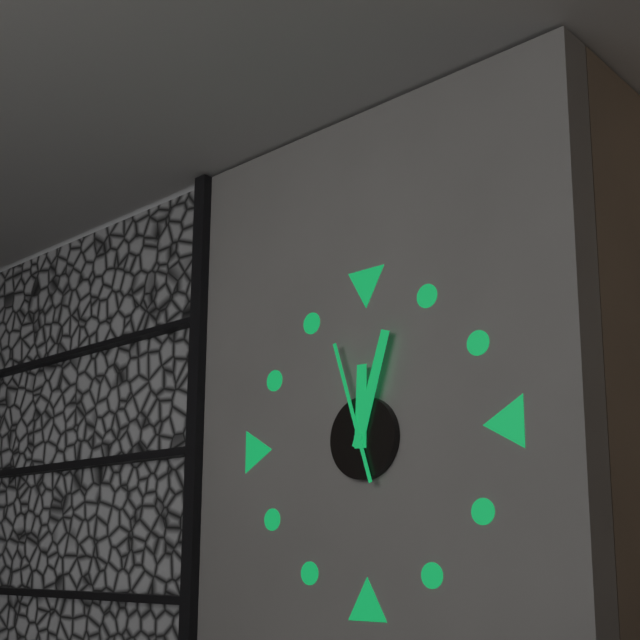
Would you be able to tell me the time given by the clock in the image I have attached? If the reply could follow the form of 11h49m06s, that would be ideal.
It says 12h03m57s
